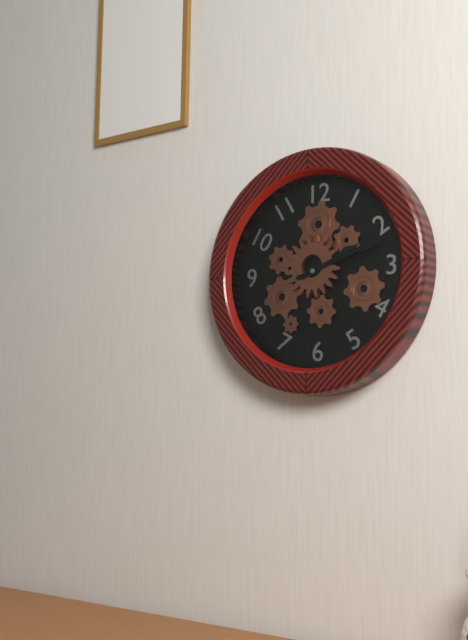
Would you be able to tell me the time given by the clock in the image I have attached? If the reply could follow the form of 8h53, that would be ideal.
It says 2h12
